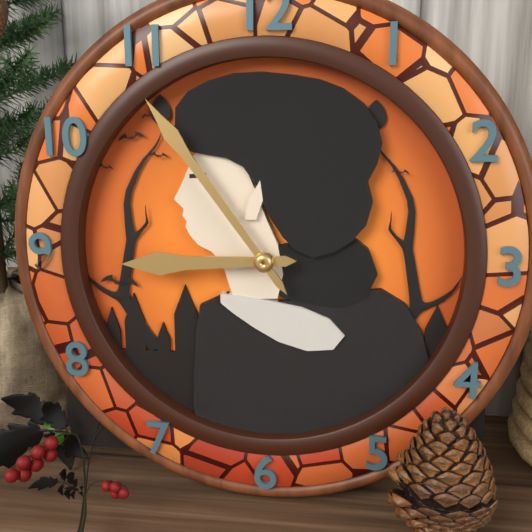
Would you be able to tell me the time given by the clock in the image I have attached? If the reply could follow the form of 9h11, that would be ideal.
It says 8h54
